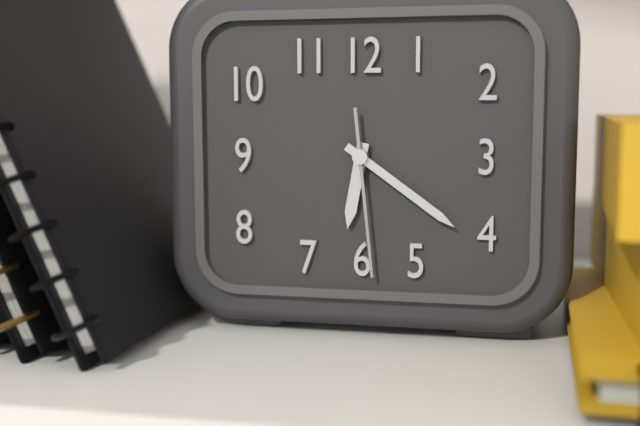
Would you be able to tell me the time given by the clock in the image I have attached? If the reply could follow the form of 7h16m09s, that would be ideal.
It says 6h21m29s
